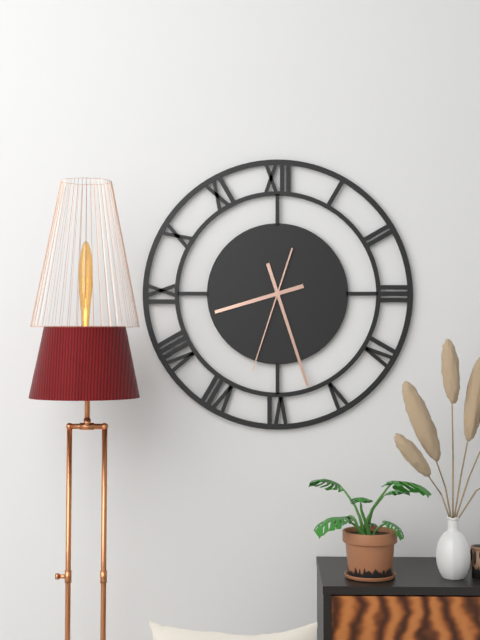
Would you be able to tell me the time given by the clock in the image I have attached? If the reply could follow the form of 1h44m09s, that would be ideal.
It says 8h27m33s
